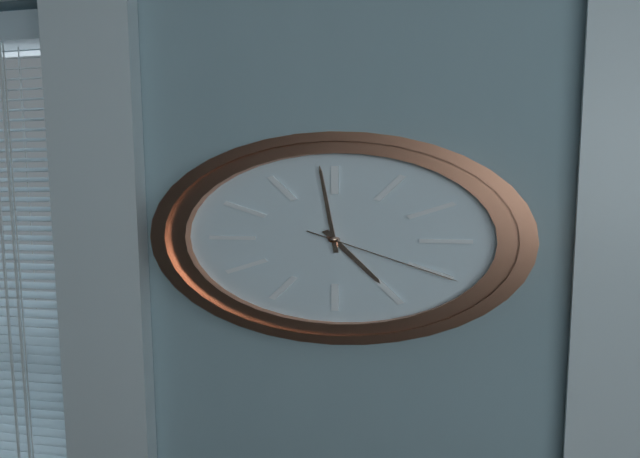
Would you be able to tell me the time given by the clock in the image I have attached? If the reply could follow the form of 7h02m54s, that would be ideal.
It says 4h59m20s
